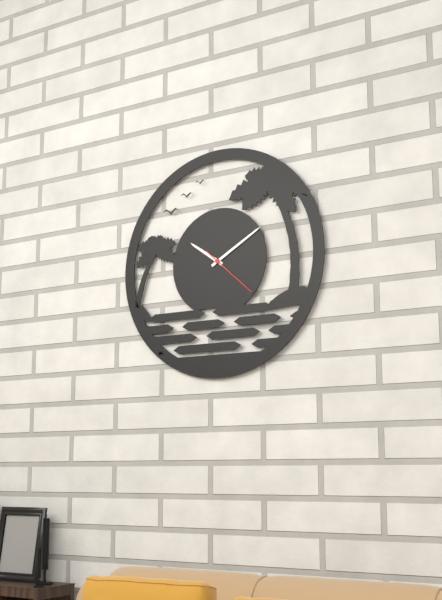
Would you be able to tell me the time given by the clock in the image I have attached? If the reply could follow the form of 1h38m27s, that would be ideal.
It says 10h10m22s
